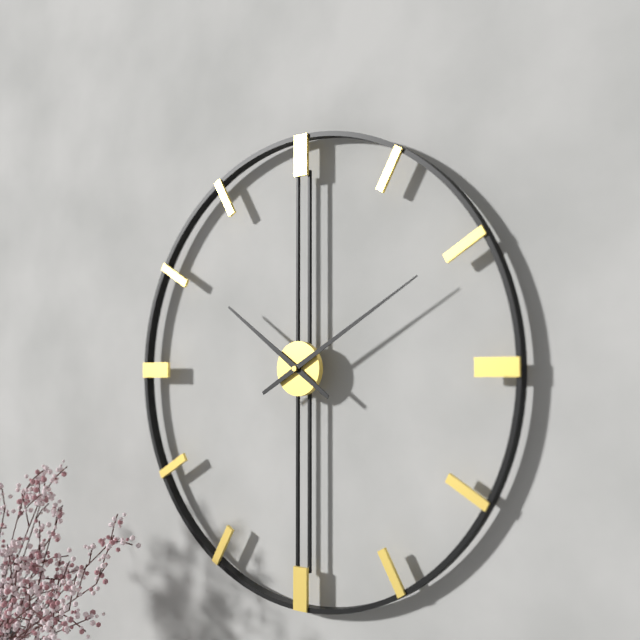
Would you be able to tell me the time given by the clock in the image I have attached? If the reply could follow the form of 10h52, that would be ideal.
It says 10h10
